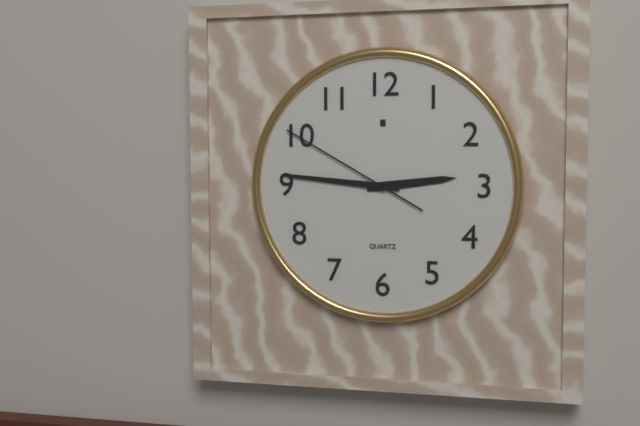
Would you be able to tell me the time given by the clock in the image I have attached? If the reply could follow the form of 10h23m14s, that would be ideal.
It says 2h46m50s
